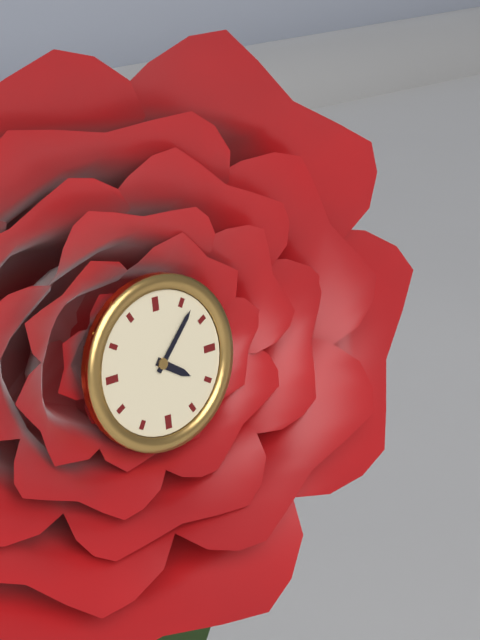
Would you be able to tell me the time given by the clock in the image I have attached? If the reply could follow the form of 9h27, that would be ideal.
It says 4h07
